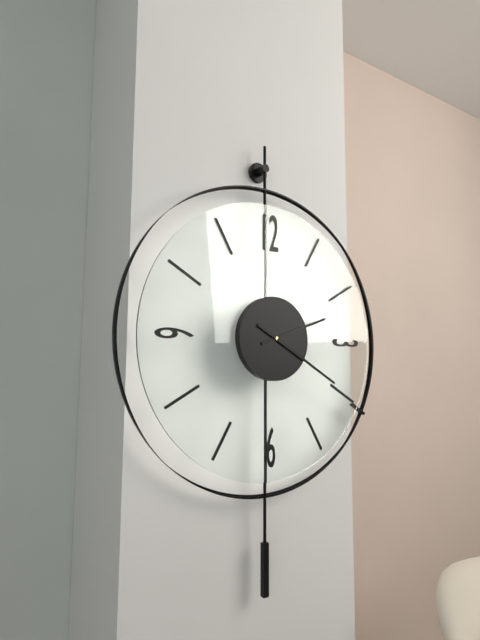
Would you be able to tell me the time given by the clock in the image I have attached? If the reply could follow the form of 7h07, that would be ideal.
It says 2h20
